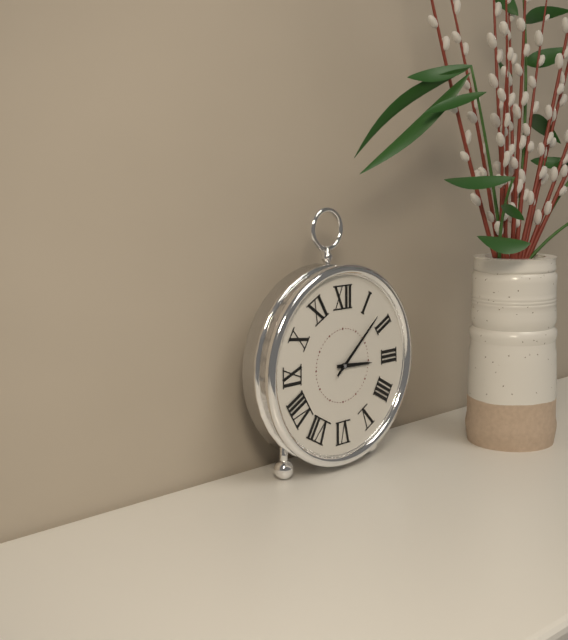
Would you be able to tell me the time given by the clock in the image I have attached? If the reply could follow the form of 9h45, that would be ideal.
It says 3h08
